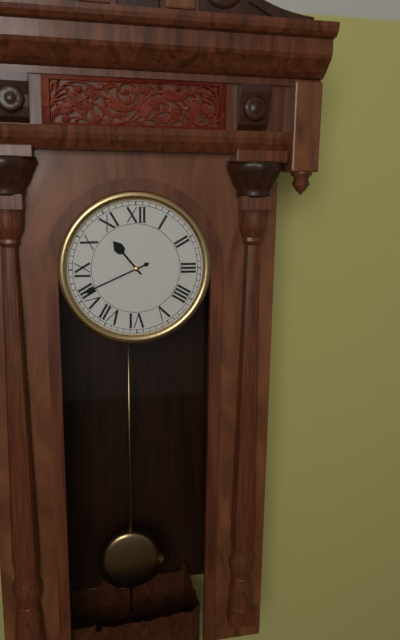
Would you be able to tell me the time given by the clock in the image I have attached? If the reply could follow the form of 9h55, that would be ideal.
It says 10h41
